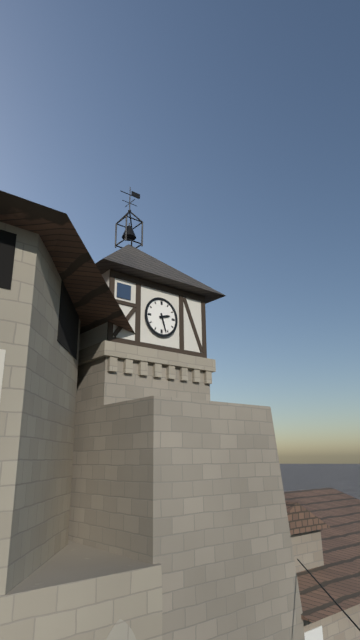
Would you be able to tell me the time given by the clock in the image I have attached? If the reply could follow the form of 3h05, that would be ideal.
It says 2h27
